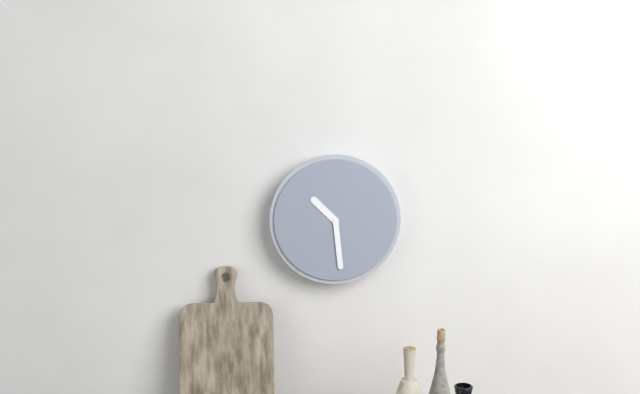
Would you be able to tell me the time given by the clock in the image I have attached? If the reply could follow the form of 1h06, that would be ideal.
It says 10h29
